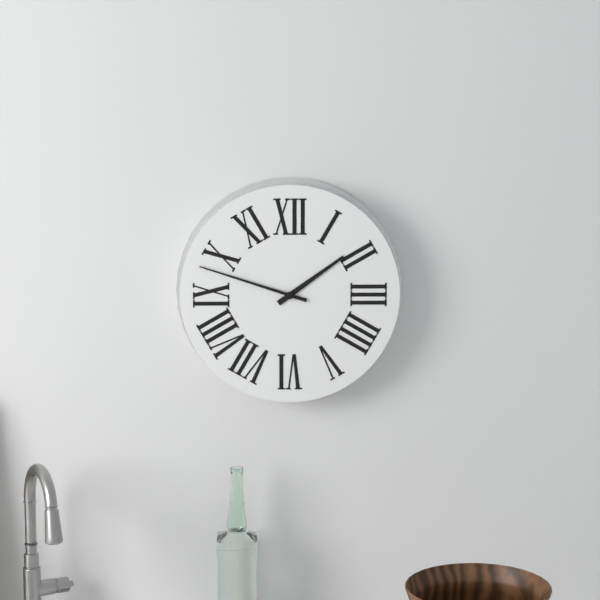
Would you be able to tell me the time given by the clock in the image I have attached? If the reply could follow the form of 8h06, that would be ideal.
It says 1h48
